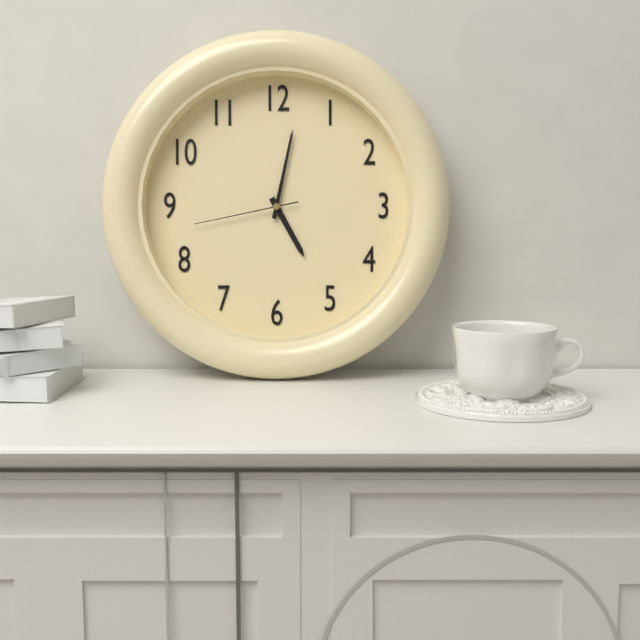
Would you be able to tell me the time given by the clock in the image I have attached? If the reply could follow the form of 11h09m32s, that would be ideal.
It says 5h02m43s
